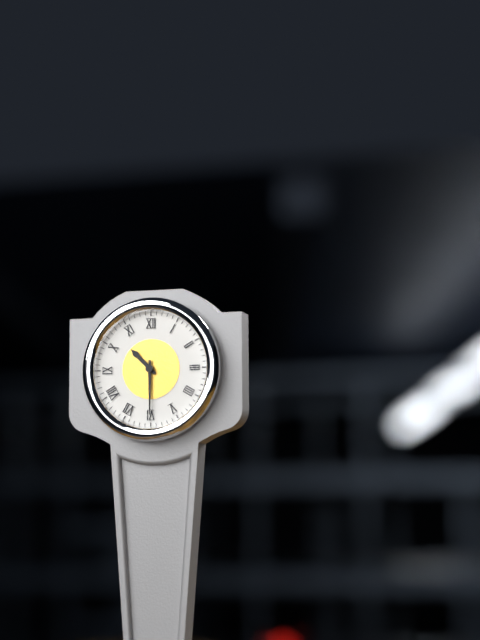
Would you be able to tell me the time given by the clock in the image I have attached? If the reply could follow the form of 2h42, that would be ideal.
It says 10h30
